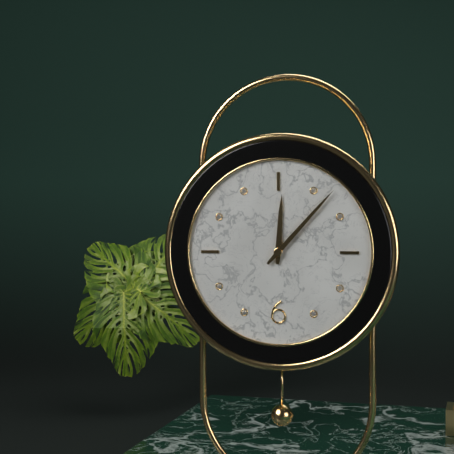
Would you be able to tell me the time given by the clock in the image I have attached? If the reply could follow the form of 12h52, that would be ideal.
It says 12h07
